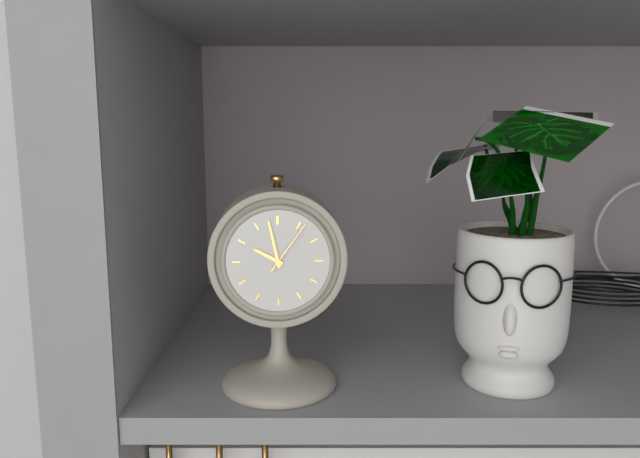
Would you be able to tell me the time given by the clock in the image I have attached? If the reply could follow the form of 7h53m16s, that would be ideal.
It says 9h58m06s
